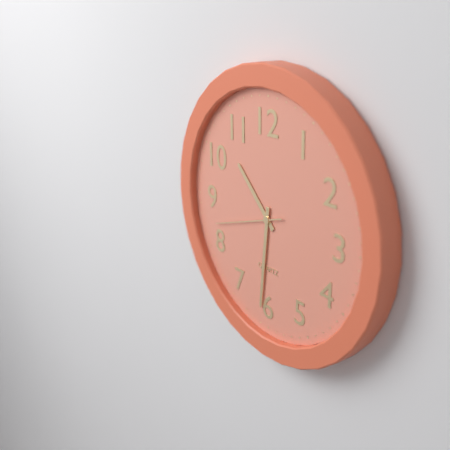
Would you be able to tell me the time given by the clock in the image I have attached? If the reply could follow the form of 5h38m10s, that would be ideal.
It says 10h31m42s
